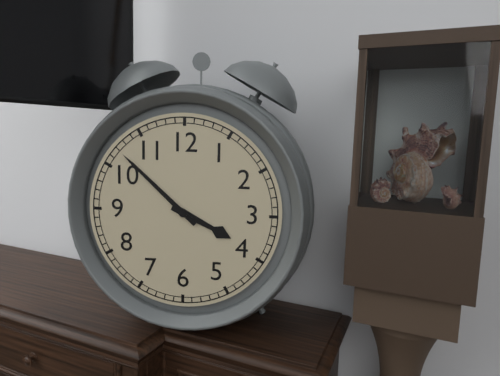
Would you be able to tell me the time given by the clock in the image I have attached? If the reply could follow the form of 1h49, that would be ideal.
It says 3h52
